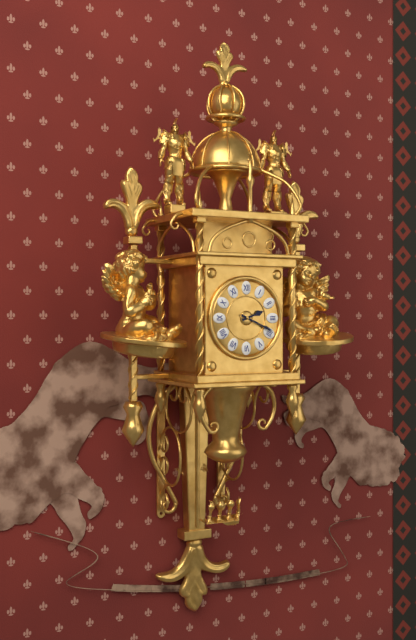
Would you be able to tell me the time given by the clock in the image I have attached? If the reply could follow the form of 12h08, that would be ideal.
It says 2h19
